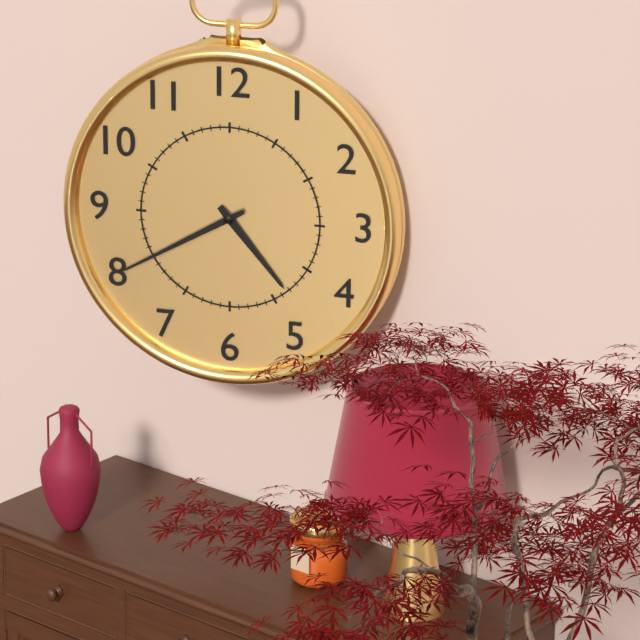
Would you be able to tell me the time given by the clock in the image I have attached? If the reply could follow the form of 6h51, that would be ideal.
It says 4h40
